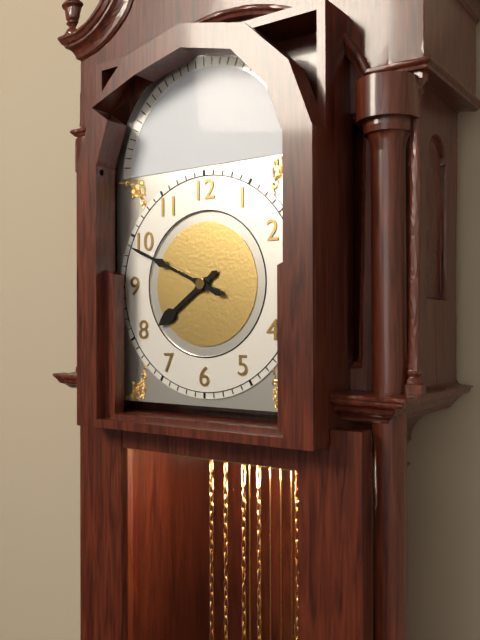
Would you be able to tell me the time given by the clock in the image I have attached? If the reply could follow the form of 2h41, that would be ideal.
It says 7h49
